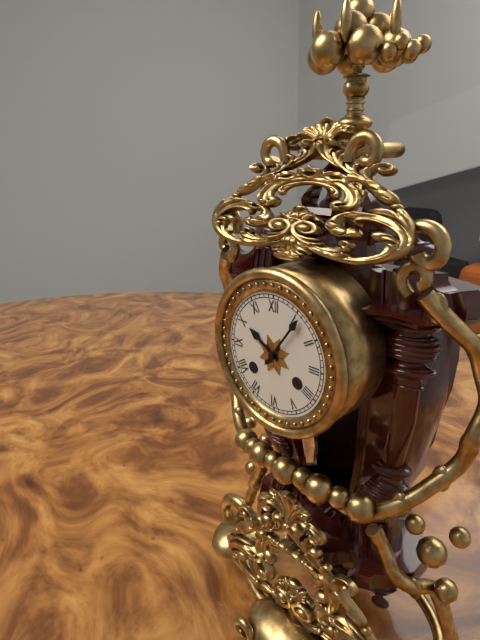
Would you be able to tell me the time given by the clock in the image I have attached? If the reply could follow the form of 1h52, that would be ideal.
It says 10h06
